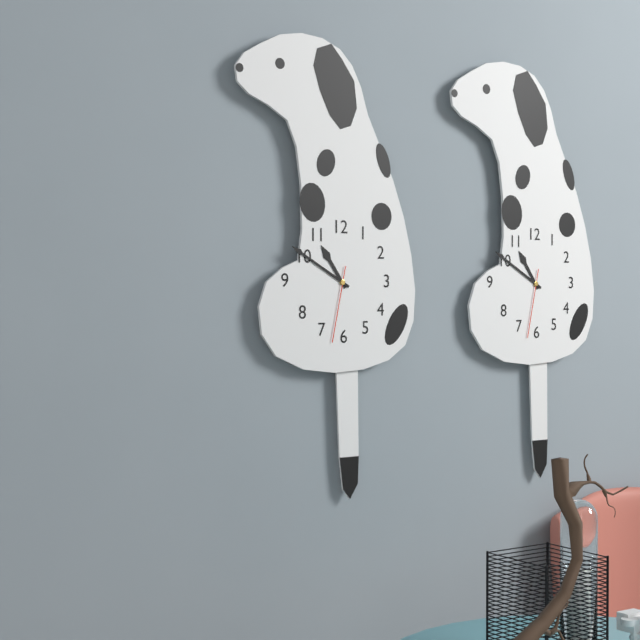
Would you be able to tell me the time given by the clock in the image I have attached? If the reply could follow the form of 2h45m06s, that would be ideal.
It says 10h50m32s
